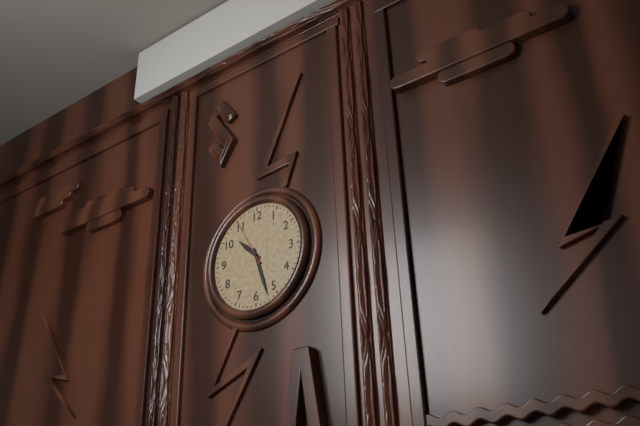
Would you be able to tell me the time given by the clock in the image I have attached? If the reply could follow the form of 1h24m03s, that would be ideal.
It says 10h27m55s
